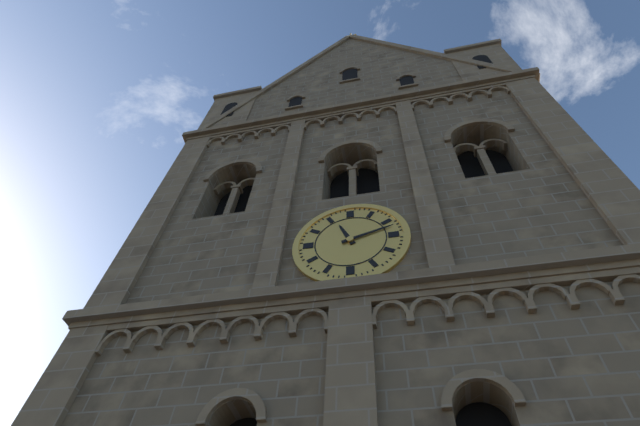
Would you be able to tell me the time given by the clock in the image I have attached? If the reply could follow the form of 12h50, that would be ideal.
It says 11h12
